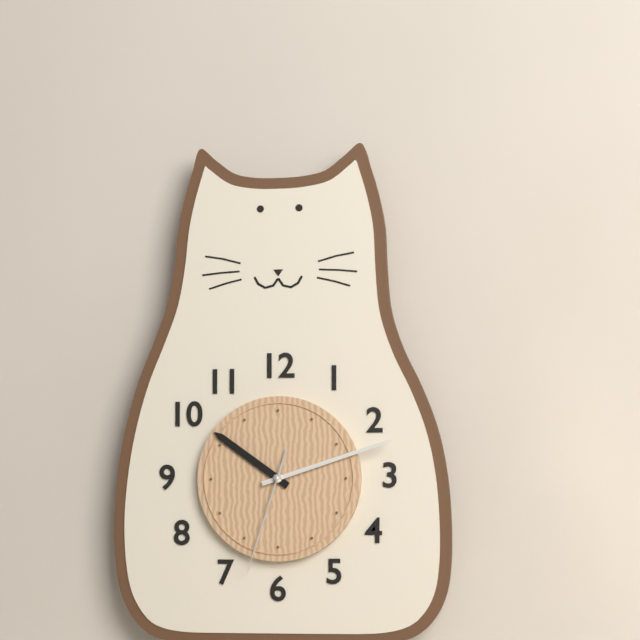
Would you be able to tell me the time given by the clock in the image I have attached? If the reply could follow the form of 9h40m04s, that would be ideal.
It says 10h12m33s
